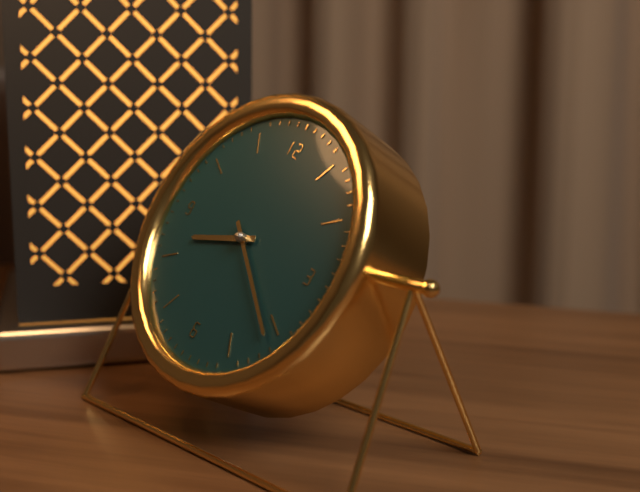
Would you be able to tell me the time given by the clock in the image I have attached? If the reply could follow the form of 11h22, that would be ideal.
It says 8h21
